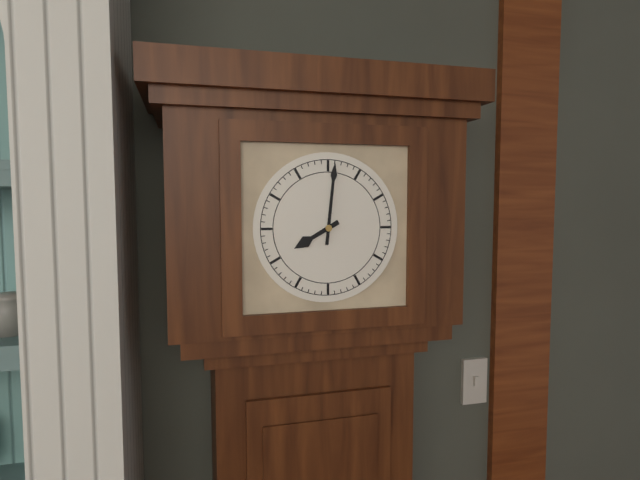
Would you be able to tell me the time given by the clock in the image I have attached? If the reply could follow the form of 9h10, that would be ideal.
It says 8h01
